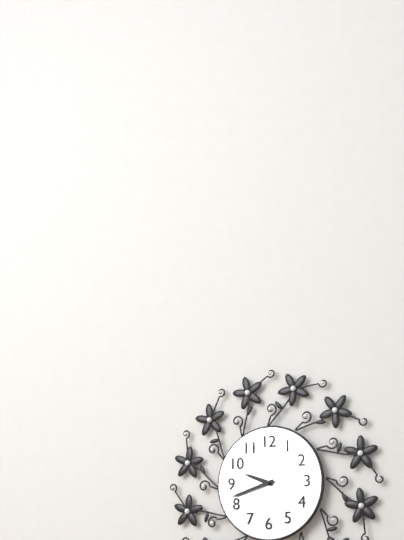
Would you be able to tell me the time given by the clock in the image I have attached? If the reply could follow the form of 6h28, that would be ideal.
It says 9h42
